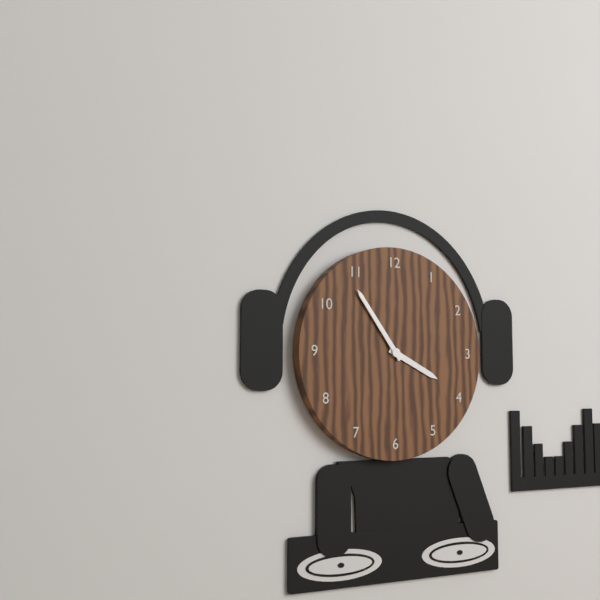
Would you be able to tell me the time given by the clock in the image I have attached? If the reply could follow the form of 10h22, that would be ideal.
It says 3h54
